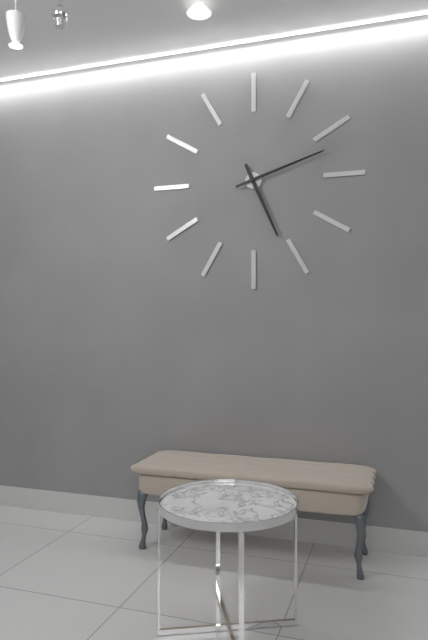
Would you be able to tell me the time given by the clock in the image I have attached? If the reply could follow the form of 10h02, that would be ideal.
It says 5h12
